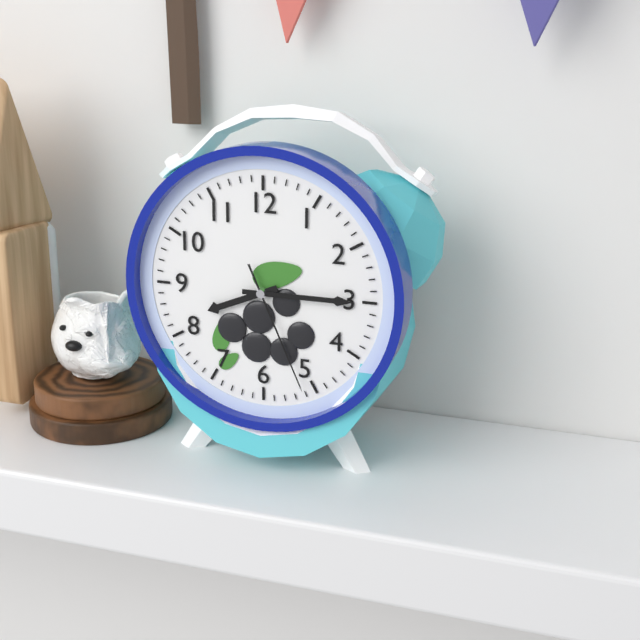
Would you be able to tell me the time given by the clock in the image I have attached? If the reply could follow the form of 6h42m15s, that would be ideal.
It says 8h15m26s
